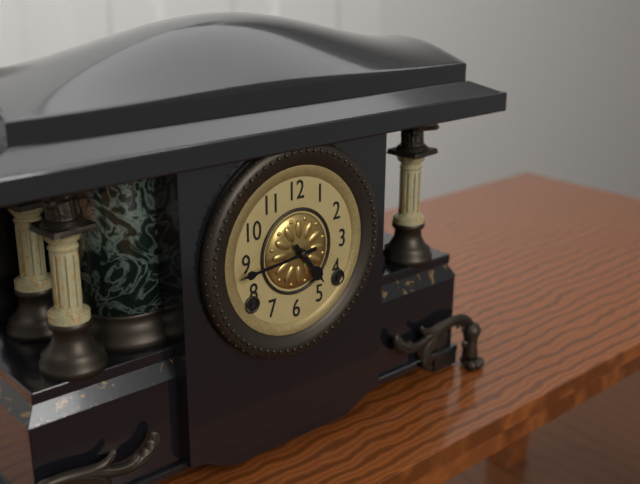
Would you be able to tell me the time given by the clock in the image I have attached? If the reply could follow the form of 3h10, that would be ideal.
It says 4h44
